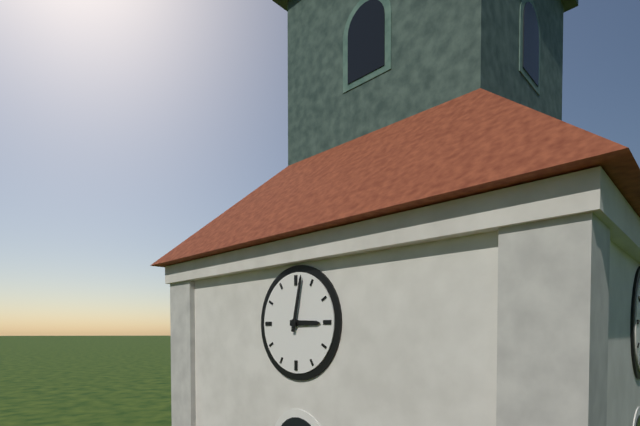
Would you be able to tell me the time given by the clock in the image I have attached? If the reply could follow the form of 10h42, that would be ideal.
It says 3h02
